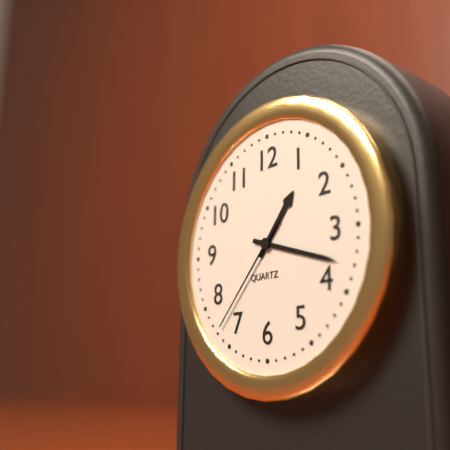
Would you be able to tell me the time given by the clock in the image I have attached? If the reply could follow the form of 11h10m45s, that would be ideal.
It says 1h18m37s
